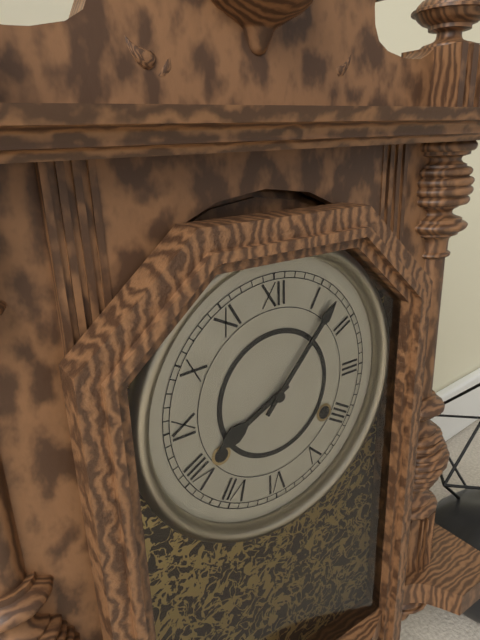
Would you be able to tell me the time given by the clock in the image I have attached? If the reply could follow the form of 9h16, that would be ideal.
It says 8h07
